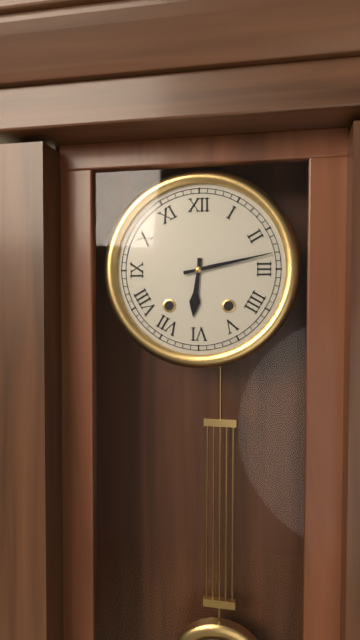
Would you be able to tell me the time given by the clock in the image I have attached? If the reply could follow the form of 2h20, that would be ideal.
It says 6h13
